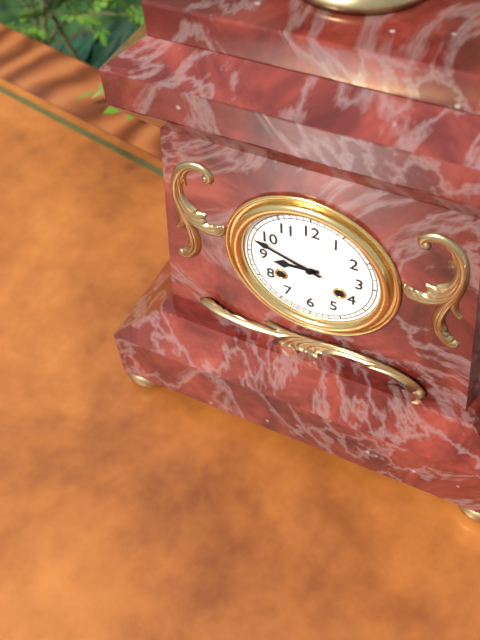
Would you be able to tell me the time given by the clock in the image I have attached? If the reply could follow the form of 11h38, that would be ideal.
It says 8h48
